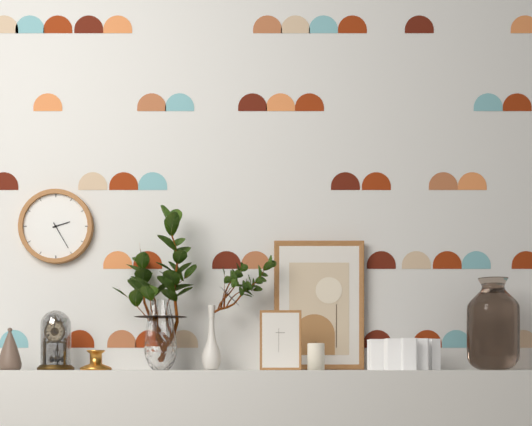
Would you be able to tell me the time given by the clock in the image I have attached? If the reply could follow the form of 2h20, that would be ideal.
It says 2h25
